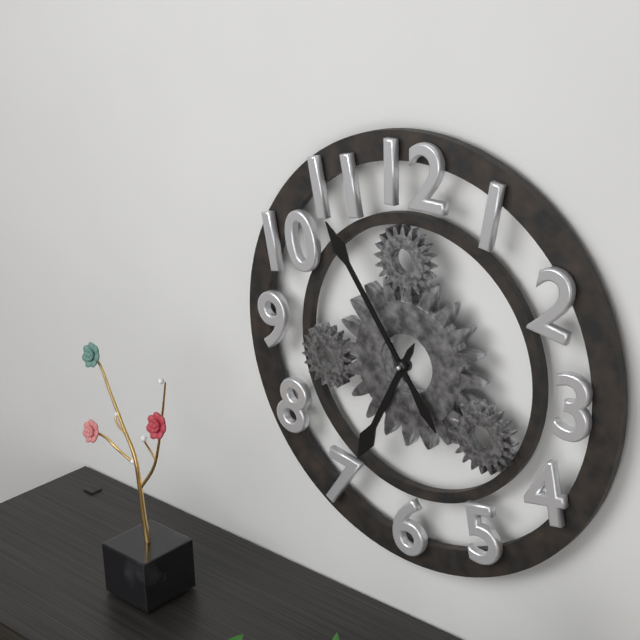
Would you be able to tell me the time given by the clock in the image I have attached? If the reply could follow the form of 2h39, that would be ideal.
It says 6h54
